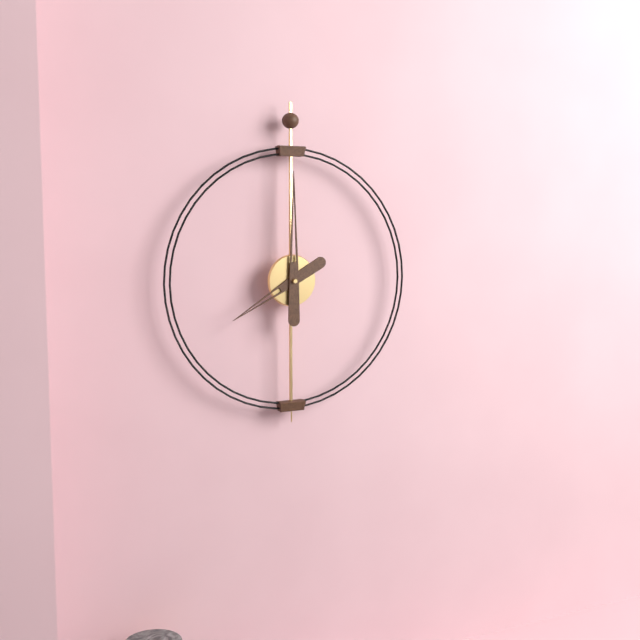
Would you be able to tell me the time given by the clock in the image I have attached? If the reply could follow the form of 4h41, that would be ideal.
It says 8h00
